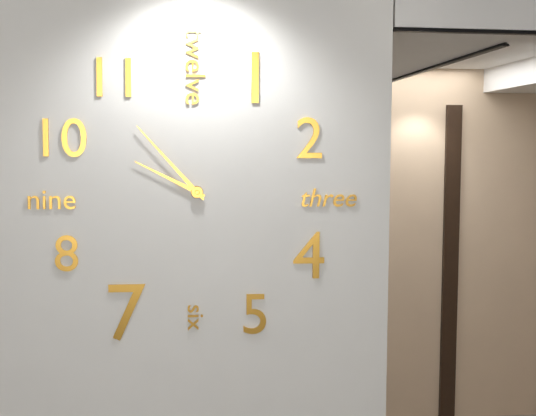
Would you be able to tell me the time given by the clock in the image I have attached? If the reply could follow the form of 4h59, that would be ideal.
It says 9h53
